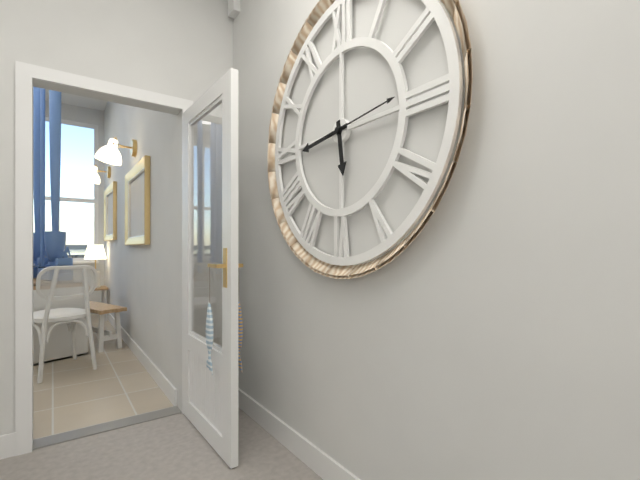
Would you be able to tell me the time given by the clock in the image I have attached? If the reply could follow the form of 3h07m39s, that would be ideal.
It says 5h44m14s
